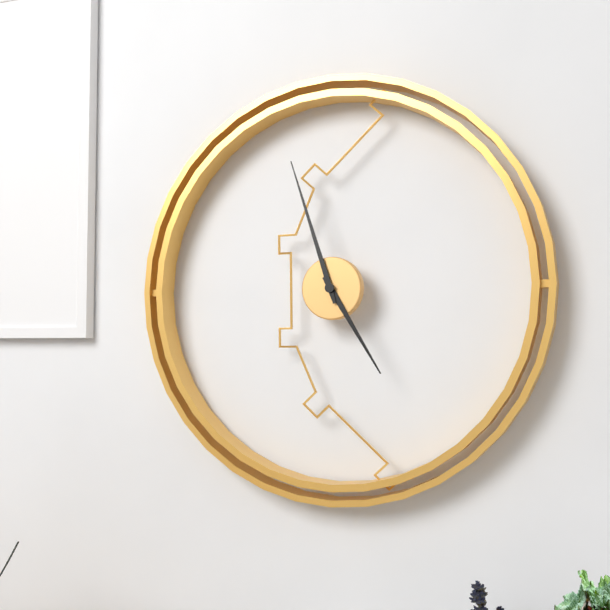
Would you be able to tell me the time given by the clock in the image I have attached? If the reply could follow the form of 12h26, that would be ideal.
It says 4h57
